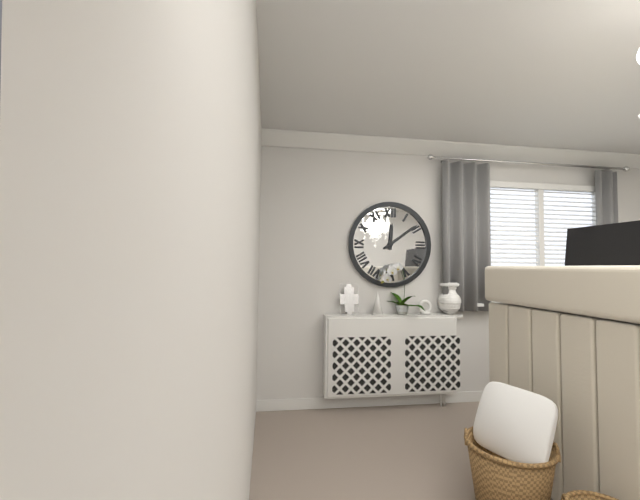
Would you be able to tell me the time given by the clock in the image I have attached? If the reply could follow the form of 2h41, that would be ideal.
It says 12h09
